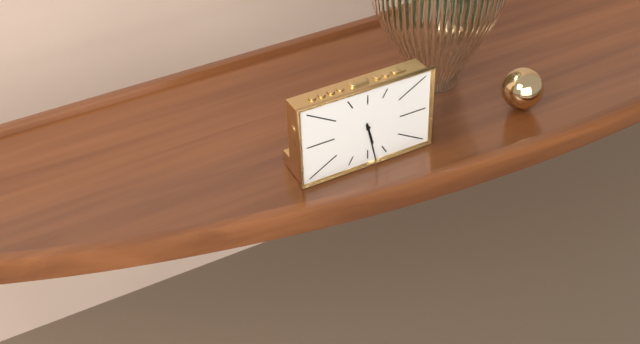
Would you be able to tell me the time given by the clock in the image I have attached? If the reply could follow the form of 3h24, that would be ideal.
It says 5h28
